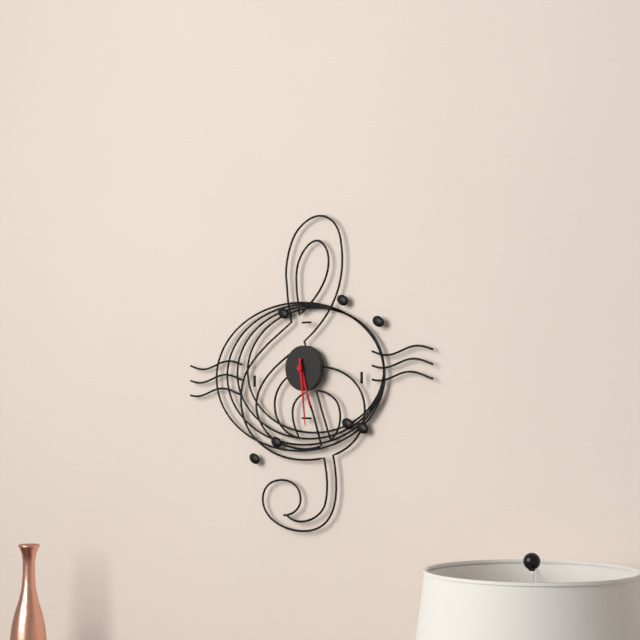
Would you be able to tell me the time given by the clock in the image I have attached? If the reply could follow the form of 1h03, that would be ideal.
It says 5h29
